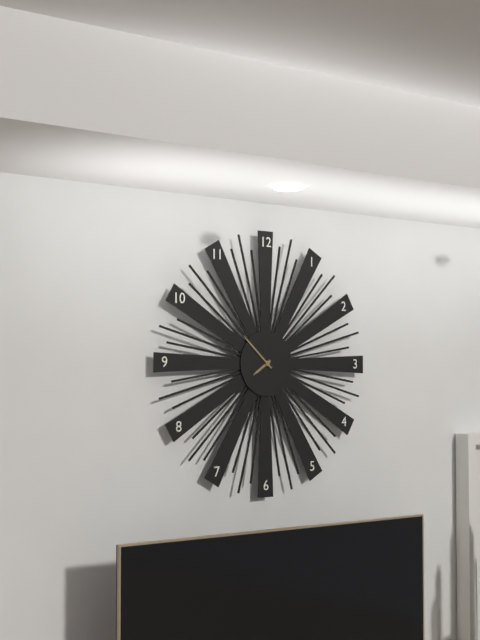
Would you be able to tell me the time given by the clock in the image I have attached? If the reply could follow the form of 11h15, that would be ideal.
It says 7h52
